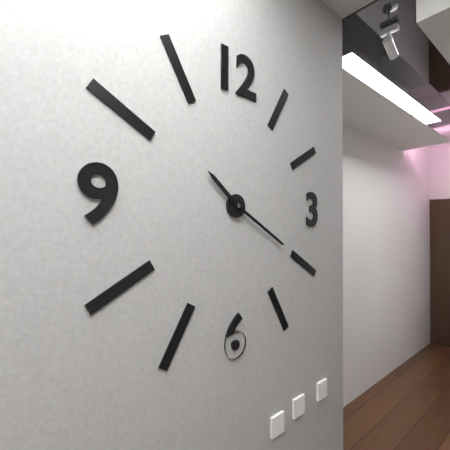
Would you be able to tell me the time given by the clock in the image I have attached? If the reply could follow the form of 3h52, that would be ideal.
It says 10h20
